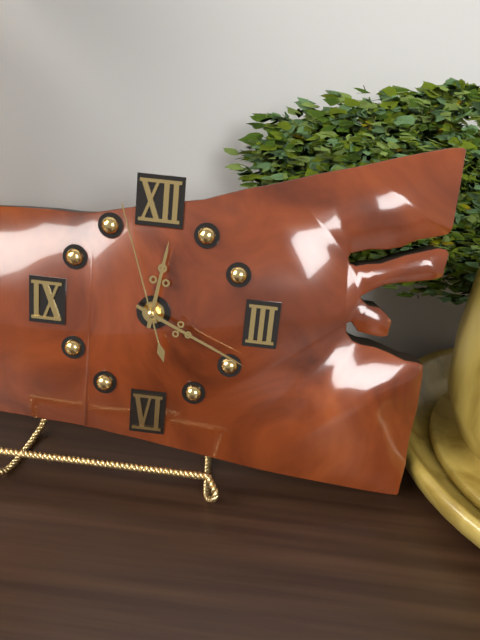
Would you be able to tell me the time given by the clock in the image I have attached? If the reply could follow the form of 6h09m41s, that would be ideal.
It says 12h19m57s
